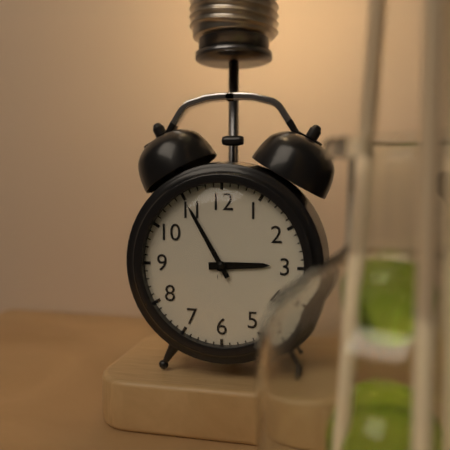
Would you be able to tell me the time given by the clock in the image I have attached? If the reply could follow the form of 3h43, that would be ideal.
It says 2h55
